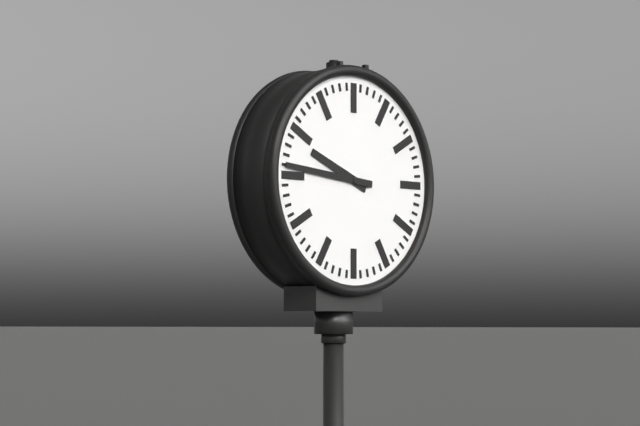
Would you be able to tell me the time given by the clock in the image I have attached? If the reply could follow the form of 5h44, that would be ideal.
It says 9h46
